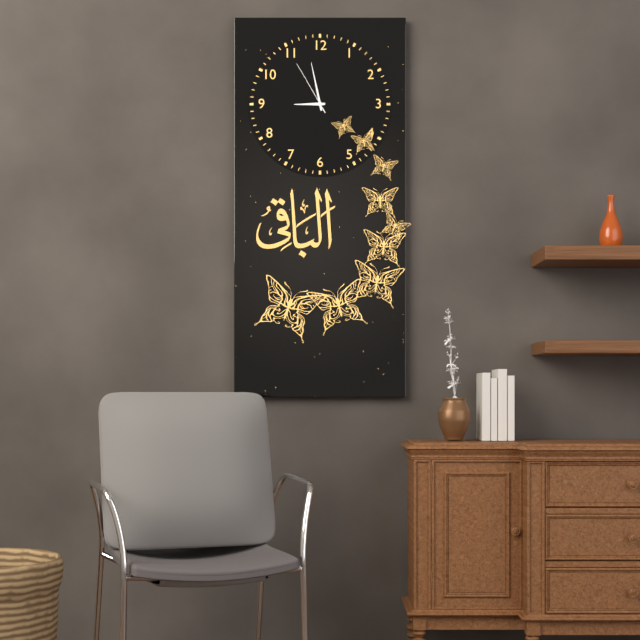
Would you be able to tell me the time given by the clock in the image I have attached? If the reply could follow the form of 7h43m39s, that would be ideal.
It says 8h58m55s
